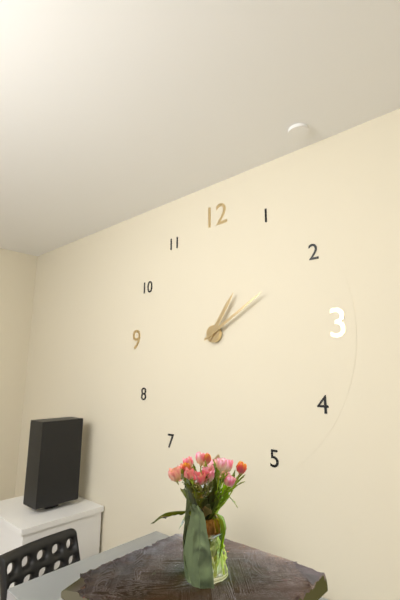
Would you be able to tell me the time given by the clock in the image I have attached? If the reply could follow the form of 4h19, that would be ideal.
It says 1h10
